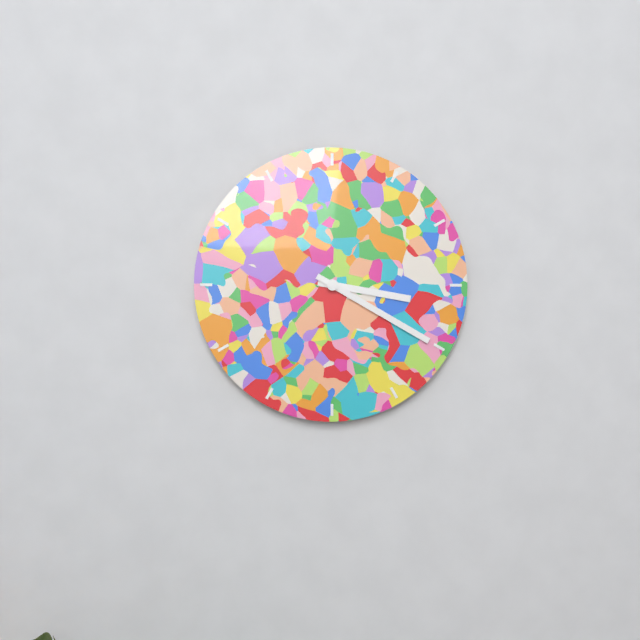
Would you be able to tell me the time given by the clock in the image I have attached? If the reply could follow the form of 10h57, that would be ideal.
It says 3h20
